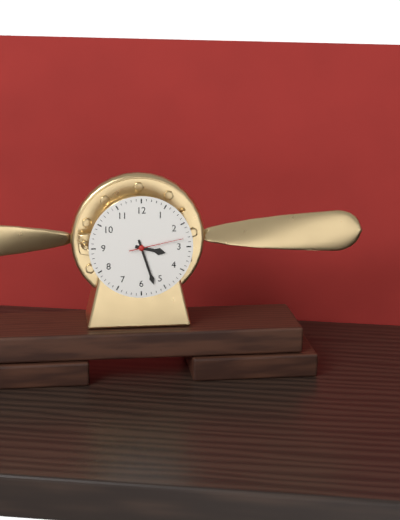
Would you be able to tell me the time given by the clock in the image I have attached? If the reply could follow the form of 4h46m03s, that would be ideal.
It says 3h27m13s
